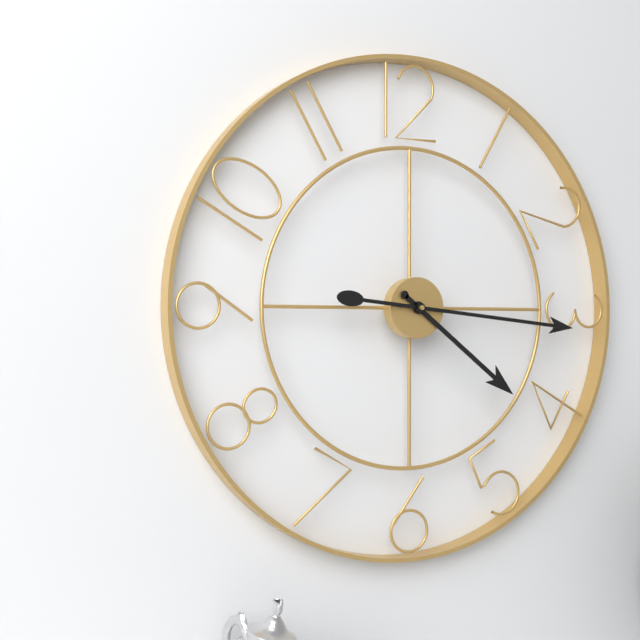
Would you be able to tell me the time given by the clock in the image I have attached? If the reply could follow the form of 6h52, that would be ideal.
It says 4h16
